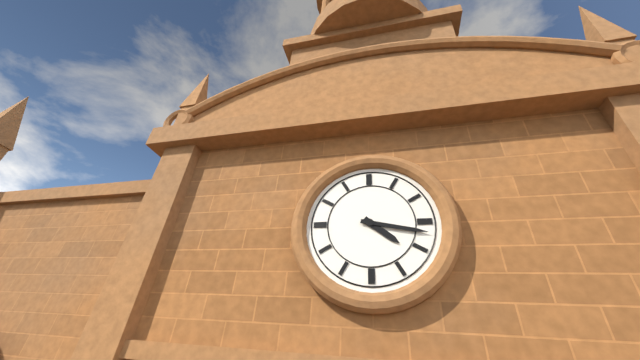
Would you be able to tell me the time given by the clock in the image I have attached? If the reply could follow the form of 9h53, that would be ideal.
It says 4h17
